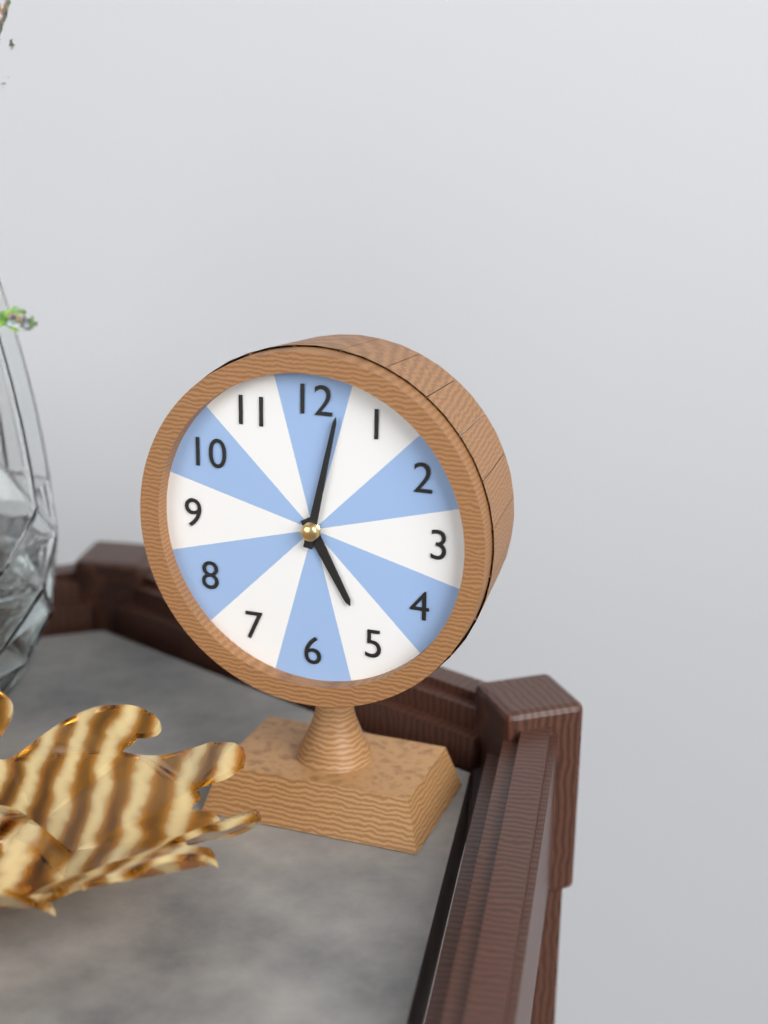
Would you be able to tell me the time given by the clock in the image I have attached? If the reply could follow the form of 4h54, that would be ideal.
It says 5h02
